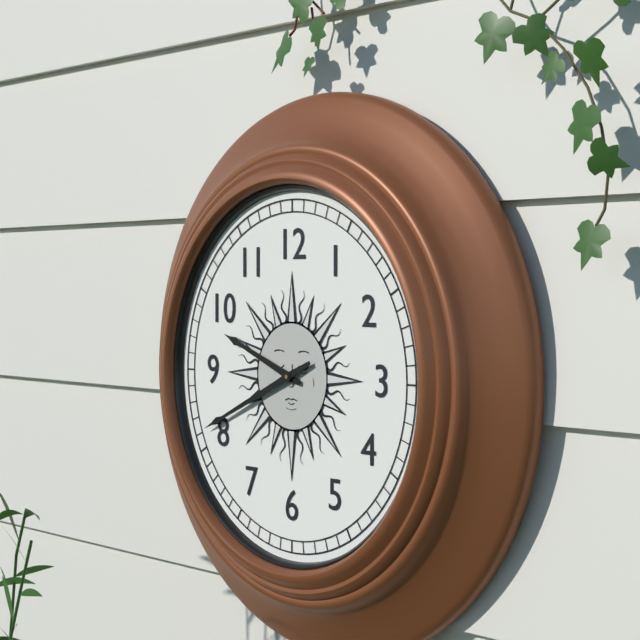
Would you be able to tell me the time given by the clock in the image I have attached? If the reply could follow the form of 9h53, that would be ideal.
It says 9h41
